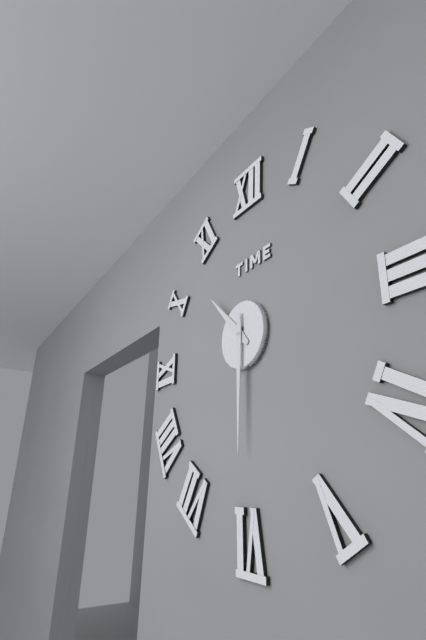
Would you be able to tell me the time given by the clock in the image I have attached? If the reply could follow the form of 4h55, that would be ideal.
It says 10h30
